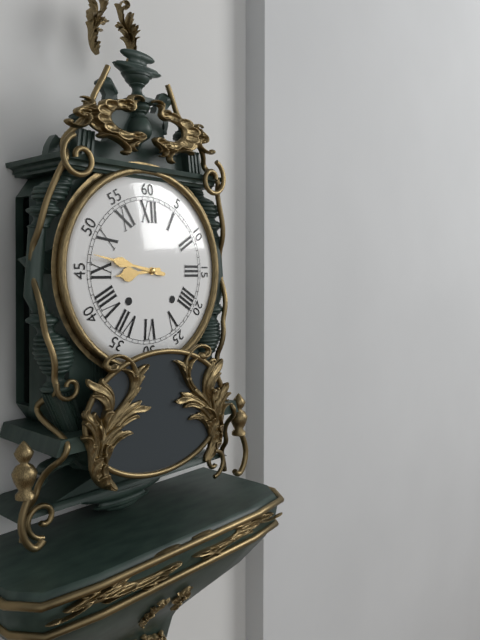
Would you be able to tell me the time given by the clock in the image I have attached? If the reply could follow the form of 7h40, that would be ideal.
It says 8h47
